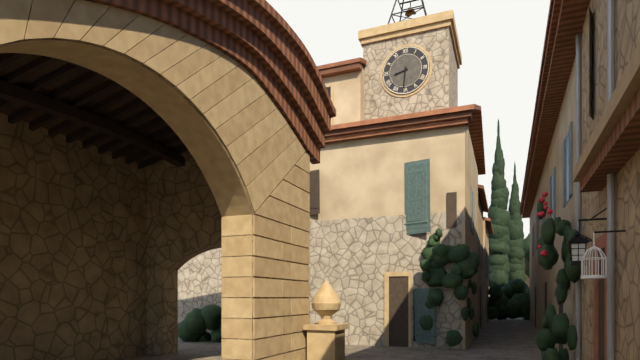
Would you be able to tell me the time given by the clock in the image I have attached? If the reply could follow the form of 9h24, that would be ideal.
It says 8h31
